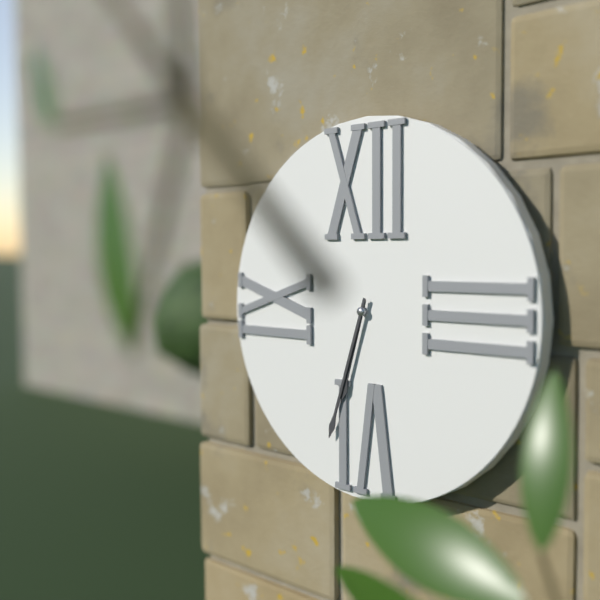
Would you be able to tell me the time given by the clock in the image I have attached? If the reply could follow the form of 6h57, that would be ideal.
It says 6h33
